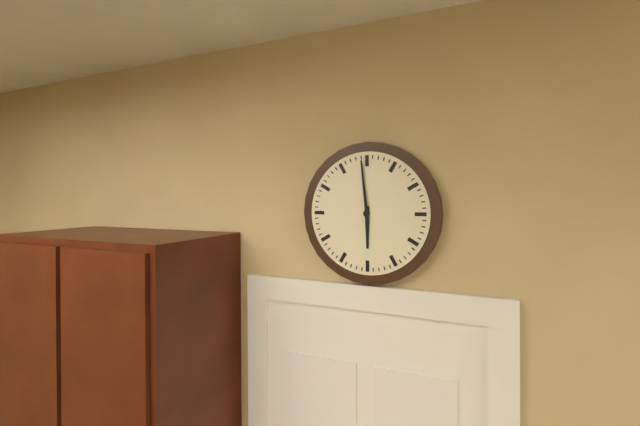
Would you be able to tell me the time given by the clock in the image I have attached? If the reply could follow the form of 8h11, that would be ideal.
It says 5h59
